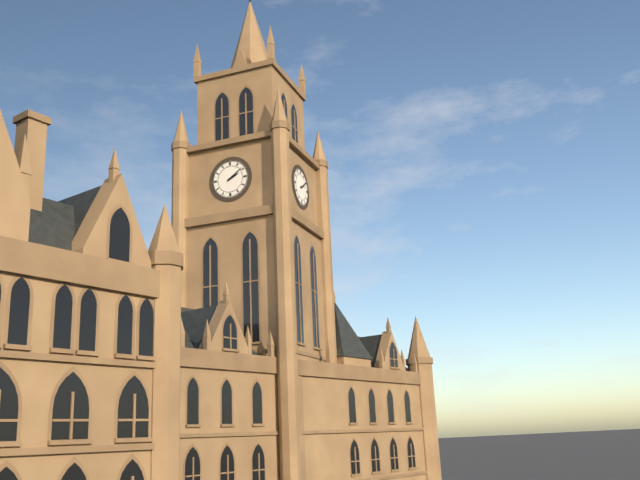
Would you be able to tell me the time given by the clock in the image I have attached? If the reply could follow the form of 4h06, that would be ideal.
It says 2h09
